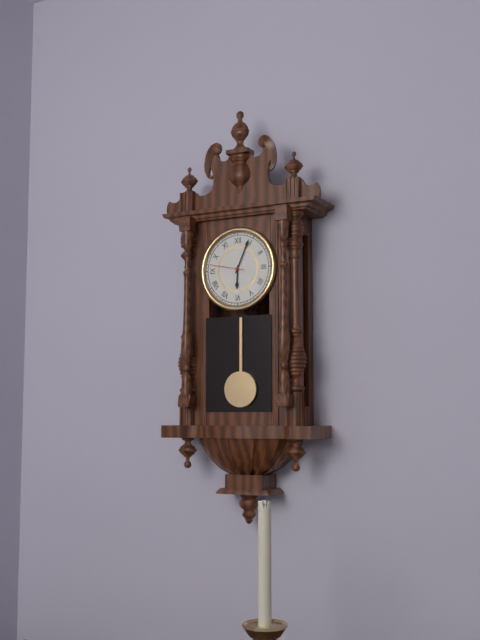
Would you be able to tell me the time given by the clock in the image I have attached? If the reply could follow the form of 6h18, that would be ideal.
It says 6h04
